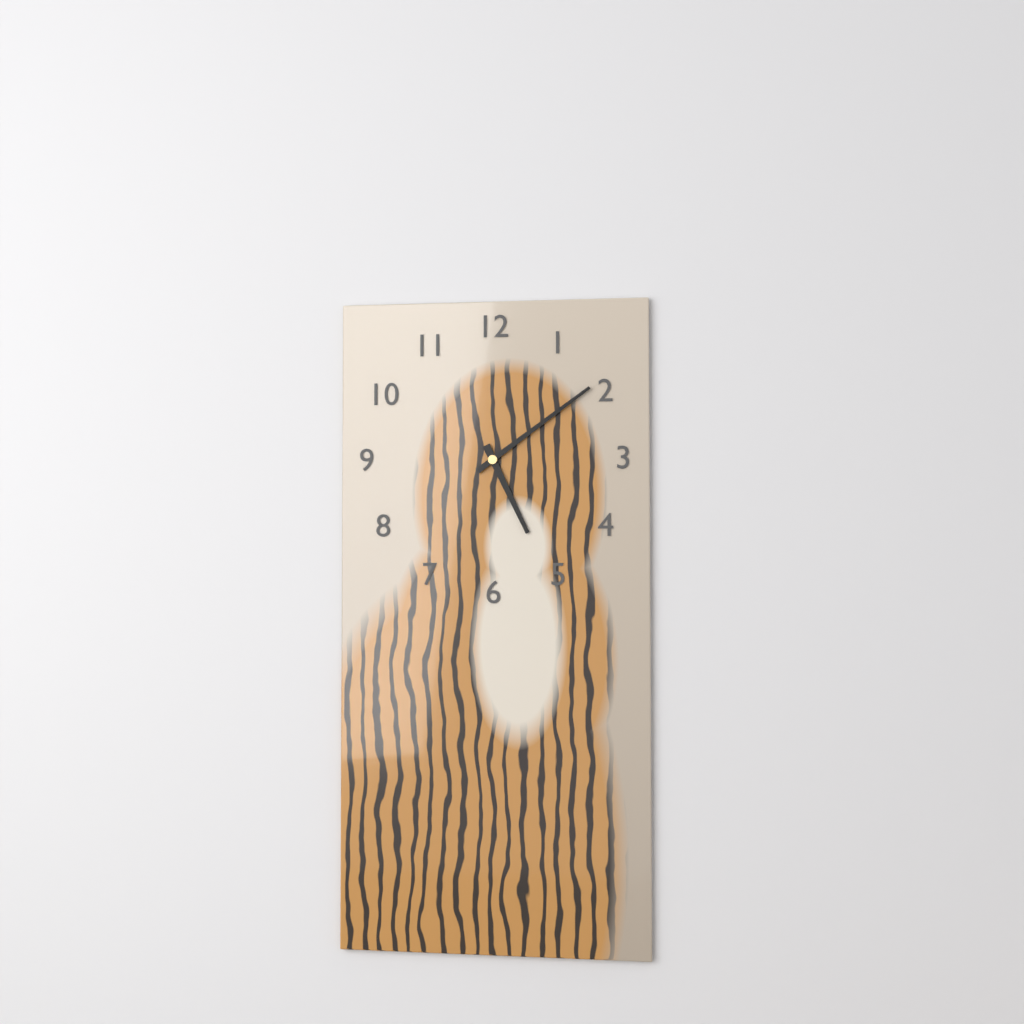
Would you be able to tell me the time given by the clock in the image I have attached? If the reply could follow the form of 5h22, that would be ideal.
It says 5h09
